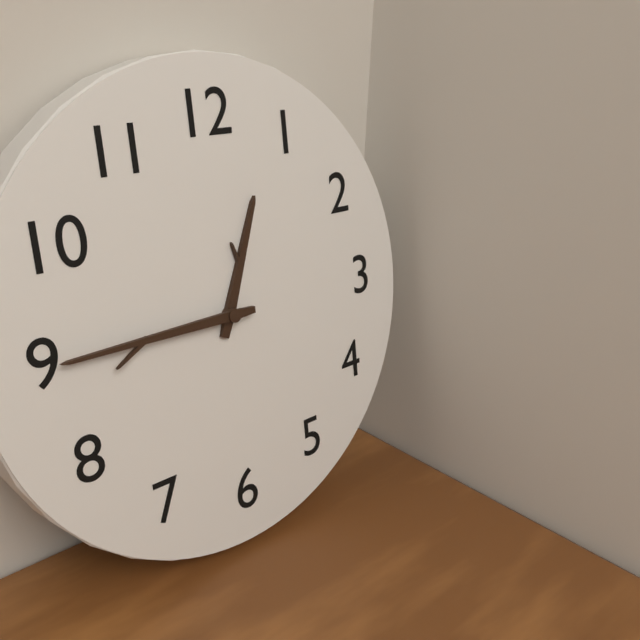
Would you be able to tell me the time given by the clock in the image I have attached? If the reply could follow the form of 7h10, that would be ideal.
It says 12h45
